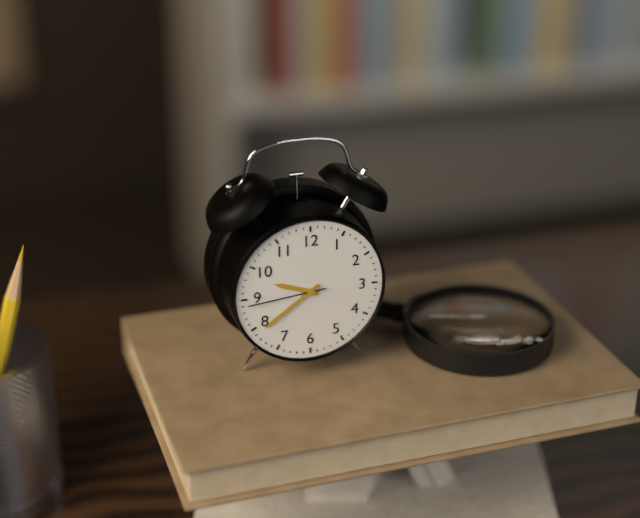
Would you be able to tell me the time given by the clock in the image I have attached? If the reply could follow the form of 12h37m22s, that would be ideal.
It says 9h39m44s
